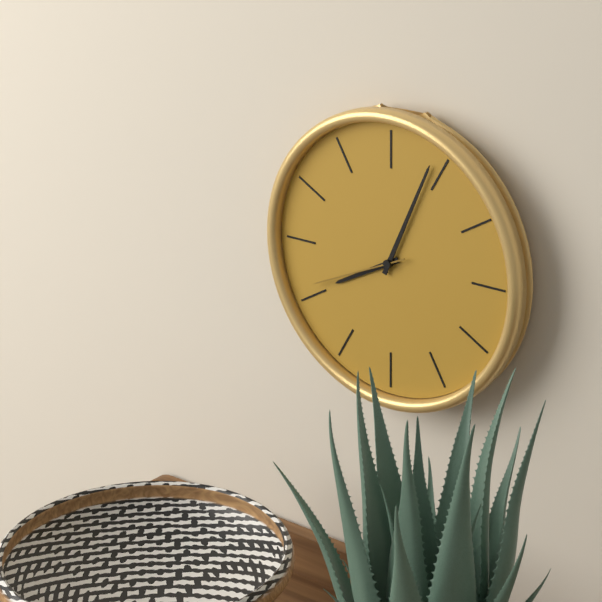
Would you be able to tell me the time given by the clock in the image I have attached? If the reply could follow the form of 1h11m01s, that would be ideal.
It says 8h04m41s
